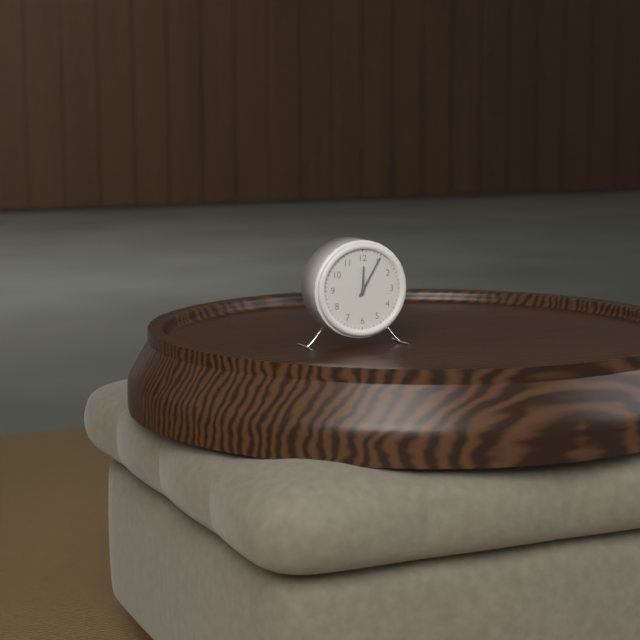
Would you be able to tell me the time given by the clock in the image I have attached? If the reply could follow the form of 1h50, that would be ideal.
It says 12h05
